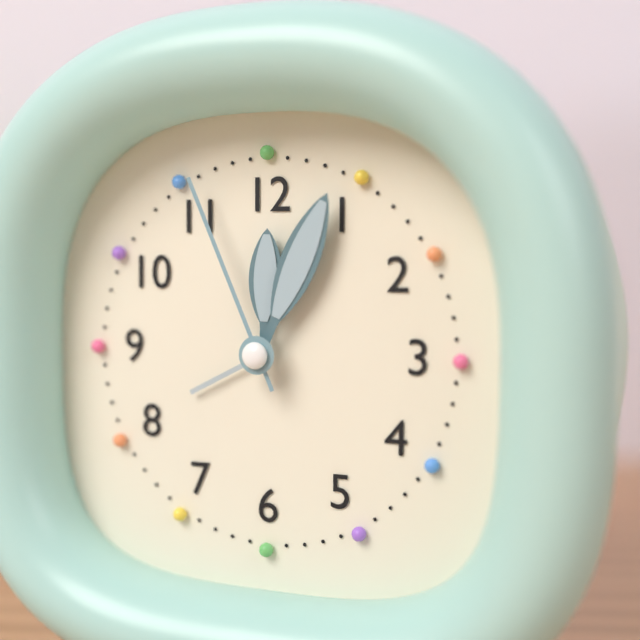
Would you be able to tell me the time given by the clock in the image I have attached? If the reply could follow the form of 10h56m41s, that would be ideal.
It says 12h04m56s
